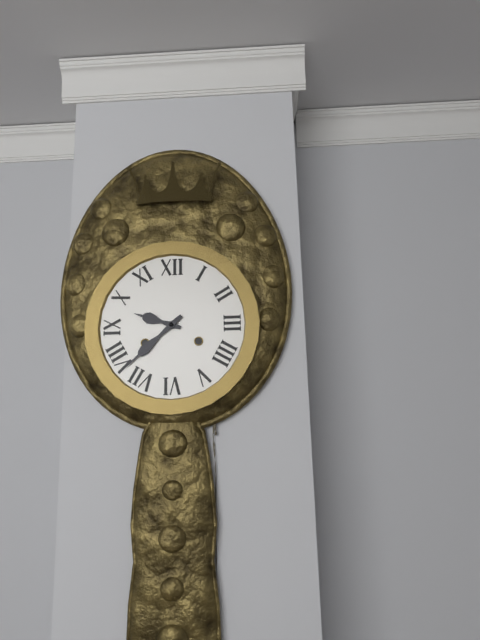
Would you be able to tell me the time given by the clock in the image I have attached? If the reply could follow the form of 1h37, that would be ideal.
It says 9h38
